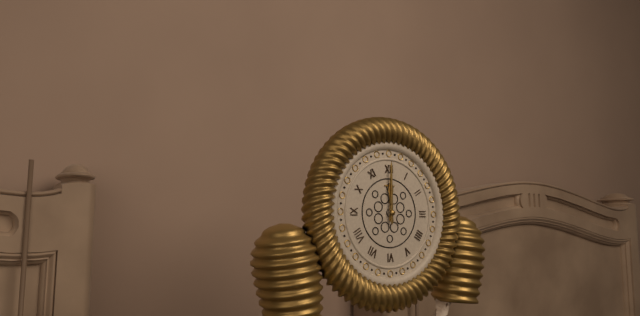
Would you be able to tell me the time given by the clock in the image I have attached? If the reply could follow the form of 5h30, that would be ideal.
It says 12h00
